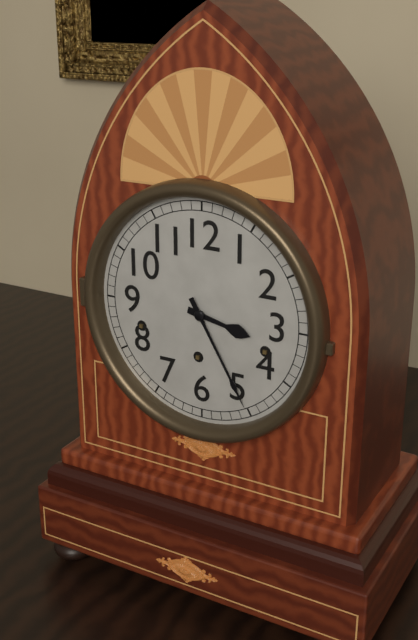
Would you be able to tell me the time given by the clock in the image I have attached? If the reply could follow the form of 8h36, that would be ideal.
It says 3h25
